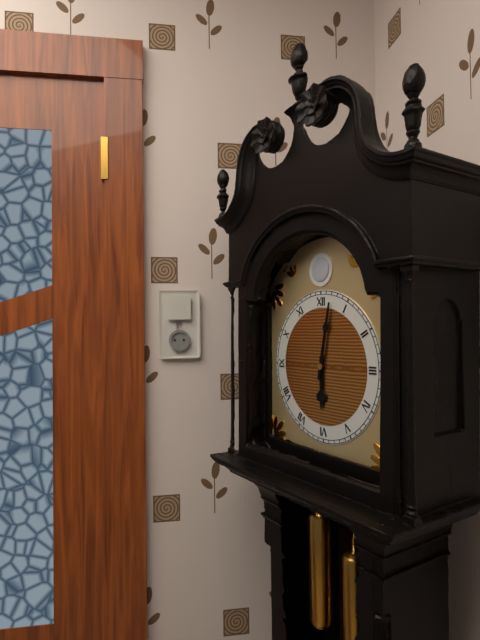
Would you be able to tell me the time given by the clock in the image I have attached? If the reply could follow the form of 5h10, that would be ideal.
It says 6h02
